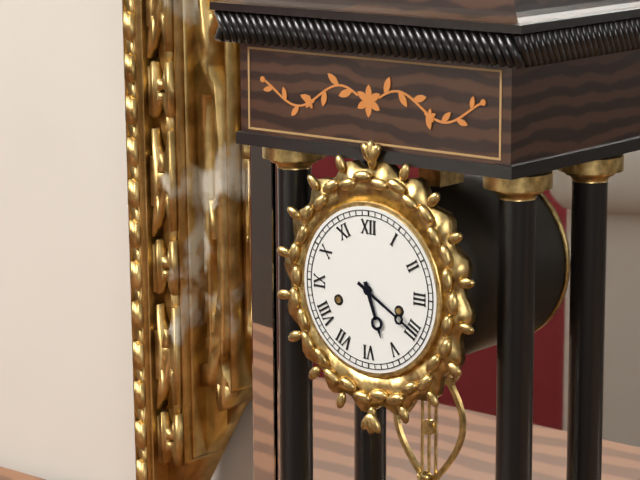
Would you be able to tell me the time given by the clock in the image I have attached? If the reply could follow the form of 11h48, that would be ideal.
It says 5h20
